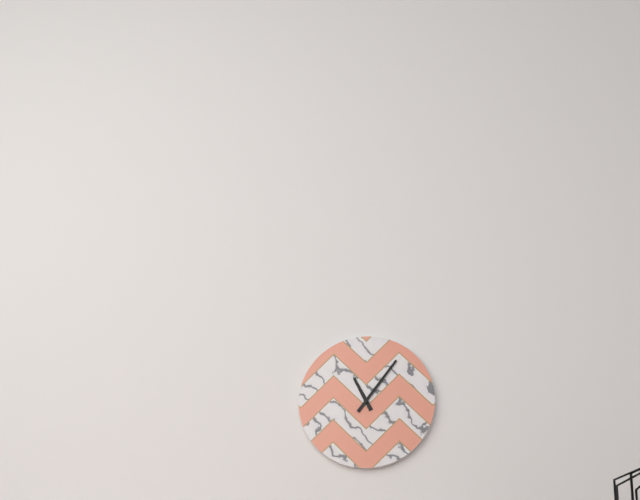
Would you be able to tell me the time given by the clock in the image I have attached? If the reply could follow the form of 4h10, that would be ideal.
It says 11h06
